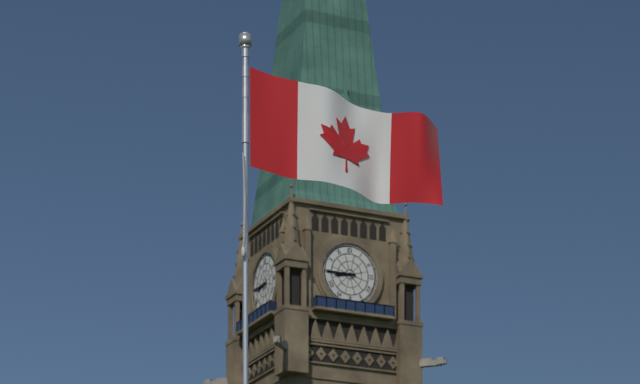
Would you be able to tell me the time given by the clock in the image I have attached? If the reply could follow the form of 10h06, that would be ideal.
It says 8h45
